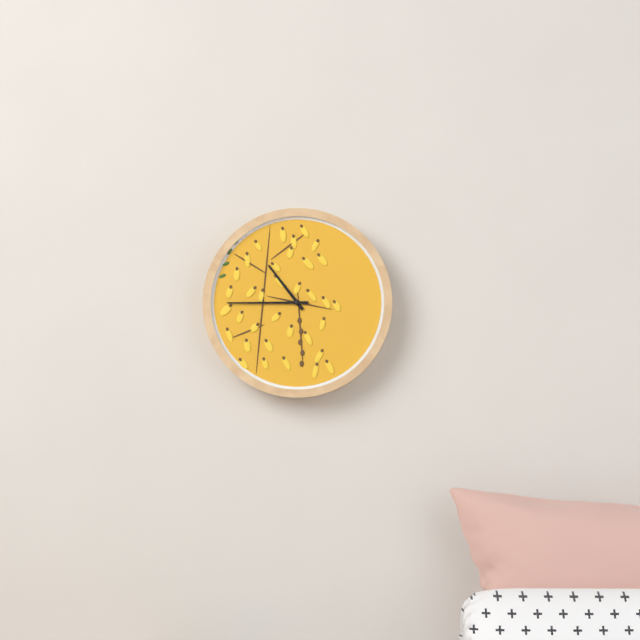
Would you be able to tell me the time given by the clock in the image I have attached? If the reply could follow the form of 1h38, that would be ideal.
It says 10h45
